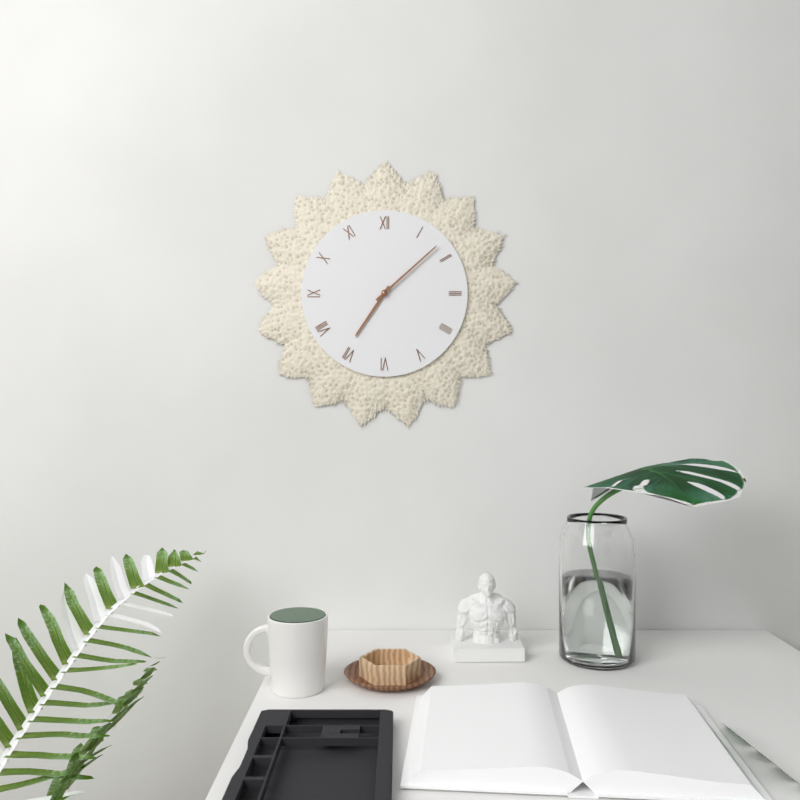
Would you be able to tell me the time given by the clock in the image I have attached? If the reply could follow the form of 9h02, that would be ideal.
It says 7h08
